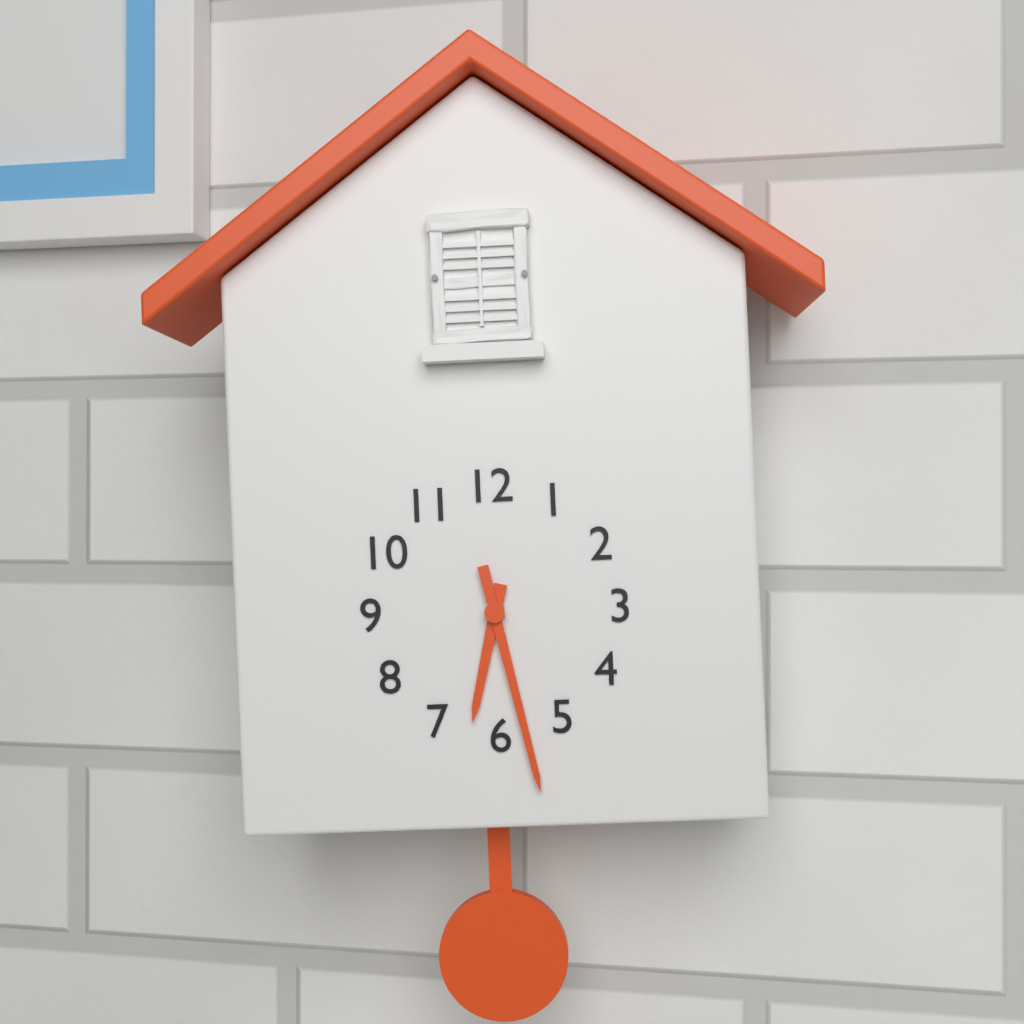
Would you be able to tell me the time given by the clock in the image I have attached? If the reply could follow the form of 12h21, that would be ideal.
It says 6h28
